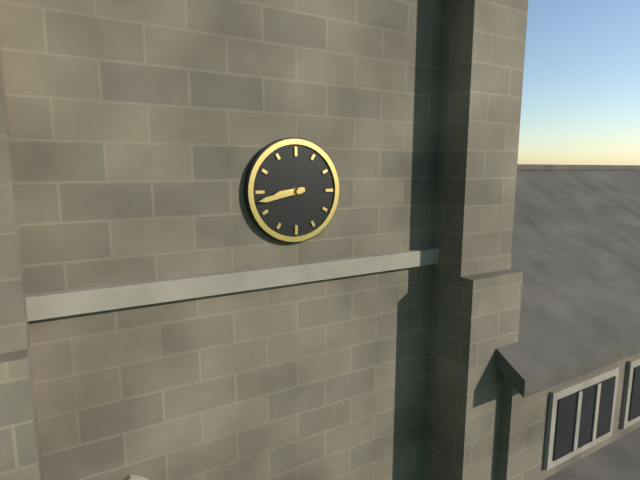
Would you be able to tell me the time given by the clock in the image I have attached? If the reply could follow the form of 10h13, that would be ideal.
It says 8h43
